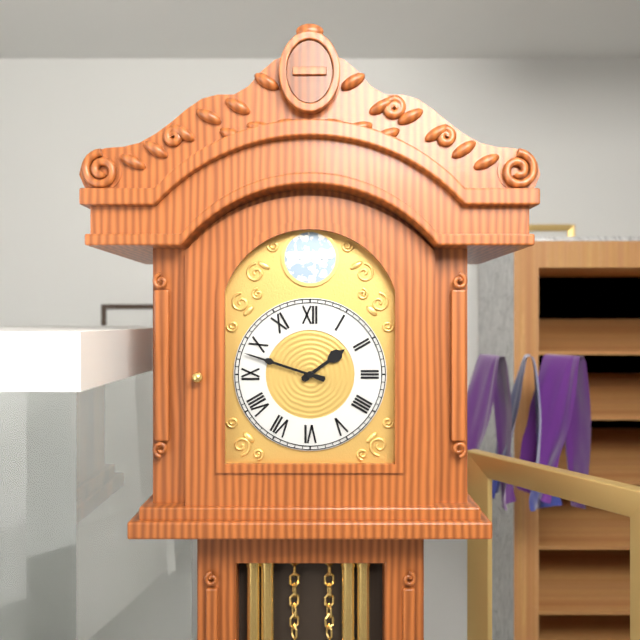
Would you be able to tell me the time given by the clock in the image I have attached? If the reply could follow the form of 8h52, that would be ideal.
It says 1h48
